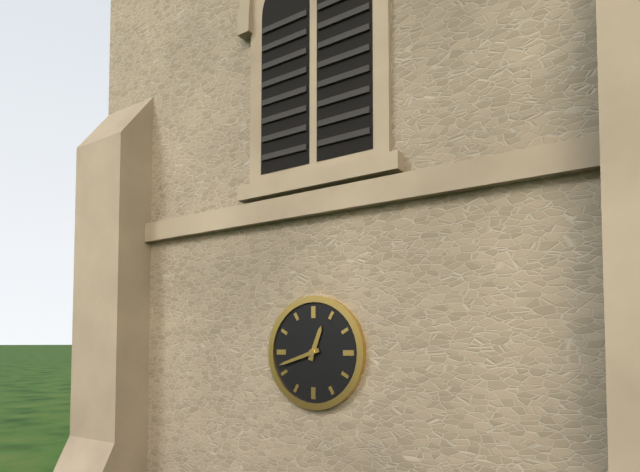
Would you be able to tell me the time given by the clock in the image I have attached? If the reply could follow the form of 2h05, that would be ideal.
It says 12h42
